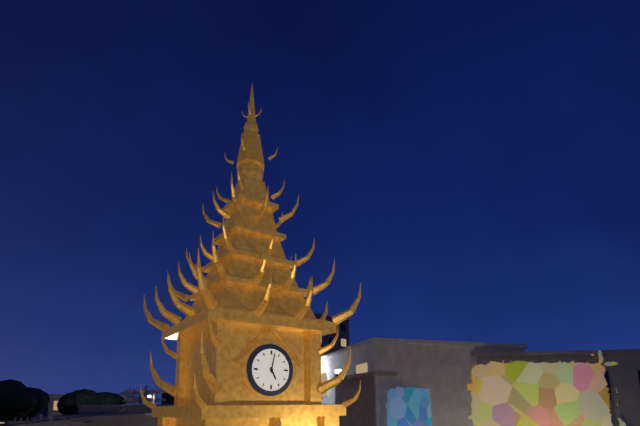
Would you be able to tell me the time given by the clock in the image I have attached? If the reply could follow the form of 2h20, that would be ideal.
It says 5h02
